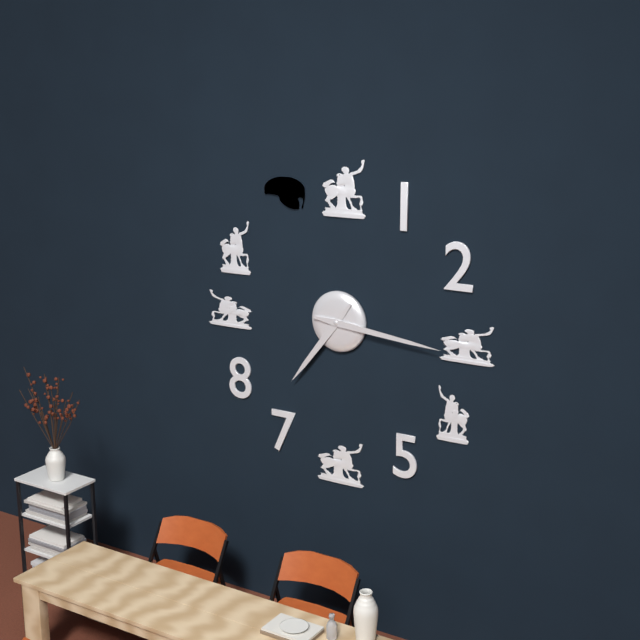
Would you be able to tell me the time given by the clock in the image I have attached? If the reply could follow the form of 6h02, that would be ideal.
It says 7h16
